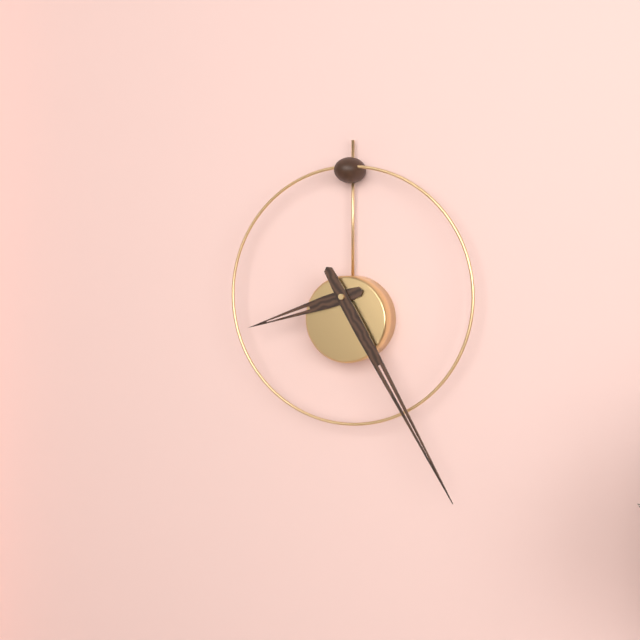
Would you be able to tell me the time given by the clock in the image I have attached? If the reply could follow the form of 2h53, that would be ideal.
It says 8h25
